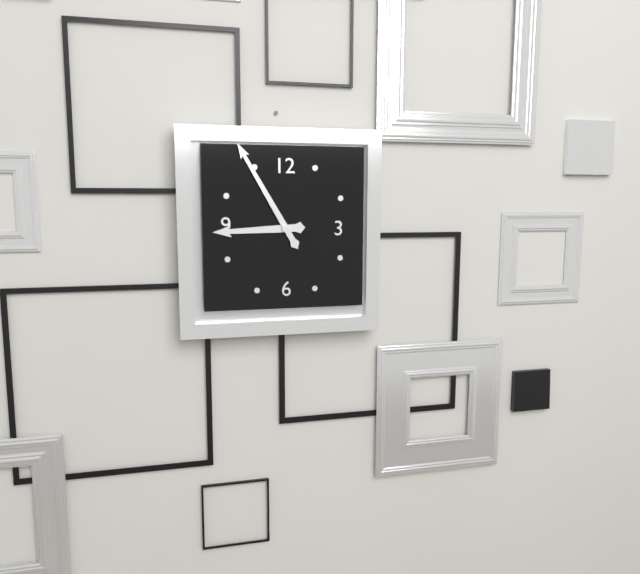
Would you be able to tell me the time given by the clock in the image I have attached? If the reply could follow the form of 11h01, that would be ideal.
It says 8h55
